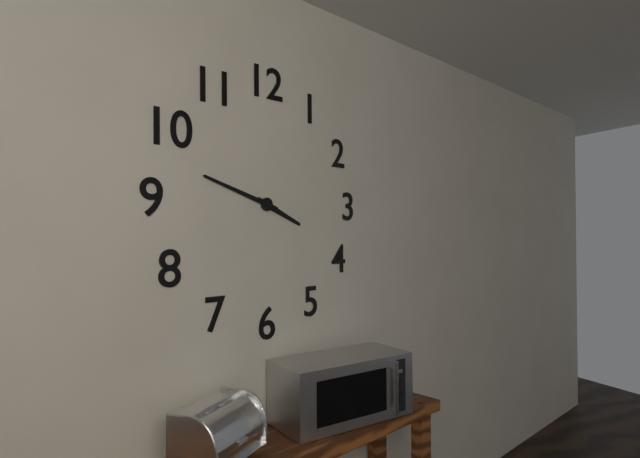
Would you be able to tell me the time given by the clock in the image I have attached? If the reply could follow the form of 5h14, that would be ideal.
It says 3h48
